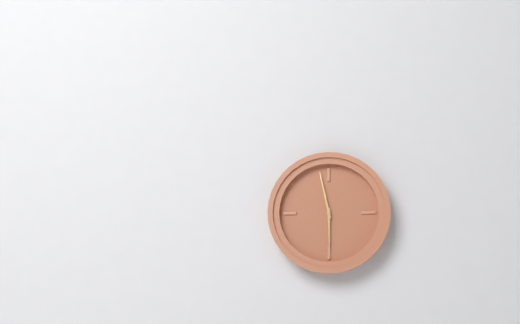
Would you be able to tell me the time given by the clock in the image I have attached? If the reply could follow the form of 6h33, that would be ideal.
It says 5h58
